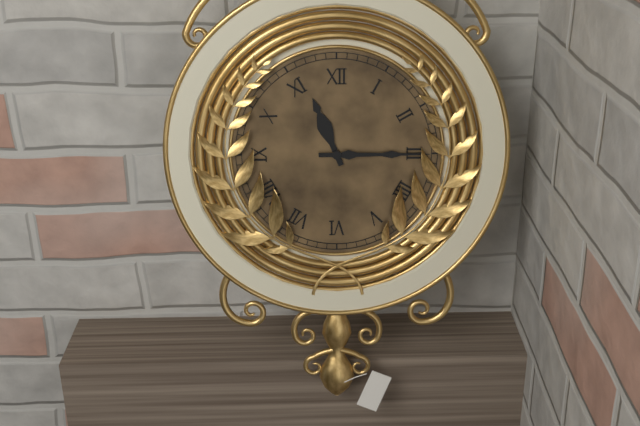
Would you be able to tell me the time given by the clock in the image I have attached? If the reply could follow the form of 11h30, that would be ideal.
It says 11h15
